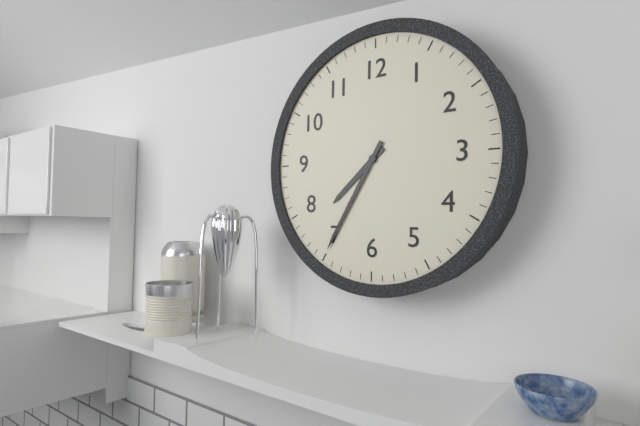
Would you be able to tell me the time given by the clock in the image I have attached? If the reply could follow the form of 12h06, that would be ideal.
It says 7h35
